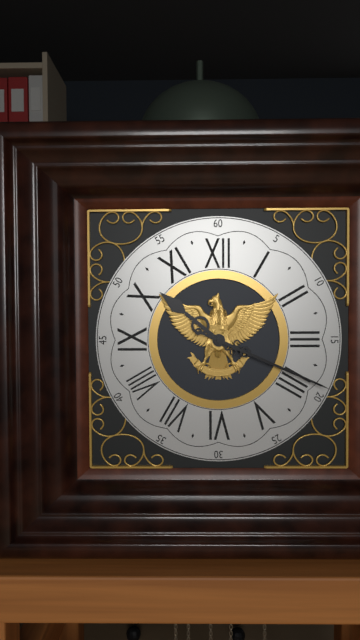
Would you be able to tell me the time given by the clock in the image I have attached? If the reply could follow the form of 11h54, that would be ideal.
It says 10h19
